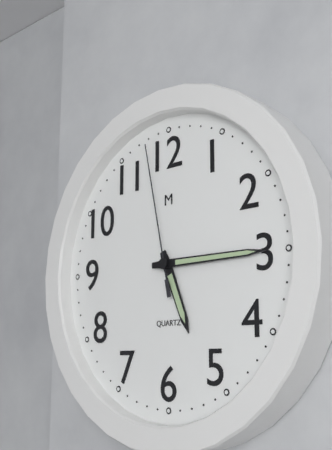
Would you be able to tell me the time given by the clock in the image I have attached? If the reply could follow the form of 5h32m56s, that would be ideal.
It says 5h15m58s
